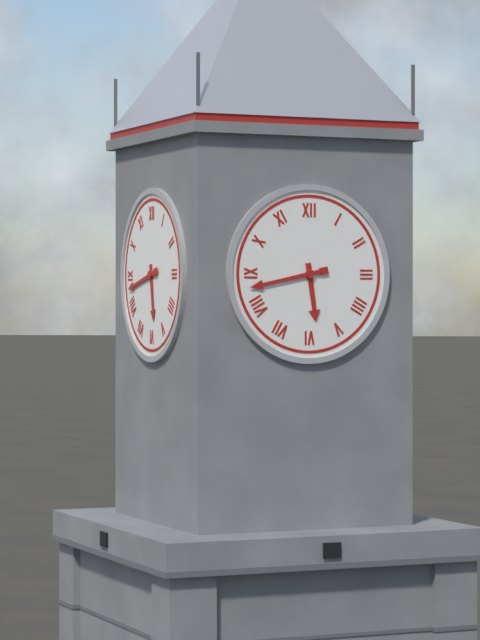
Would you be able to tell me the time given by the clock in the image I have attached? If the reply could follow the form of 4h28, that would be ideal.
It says 5h43
